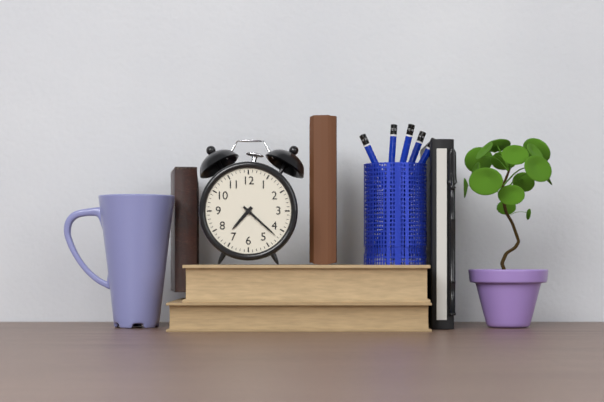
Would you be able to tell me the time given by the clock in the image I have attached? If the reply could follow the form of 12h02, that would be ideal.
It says 7h22
